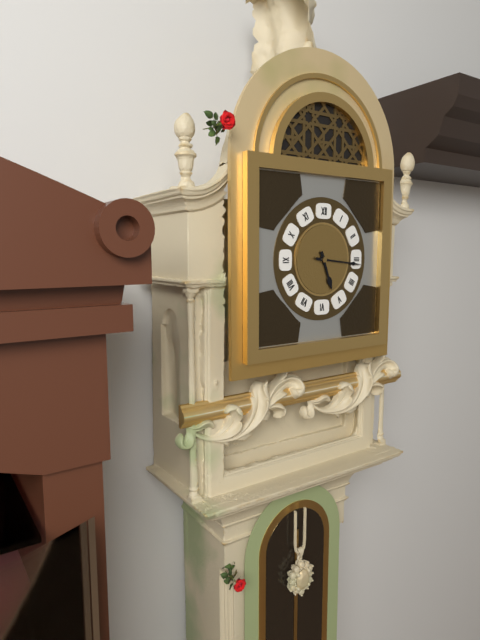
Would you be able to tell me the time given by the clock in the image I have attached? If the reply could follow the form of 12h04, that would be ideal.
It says 5h16
